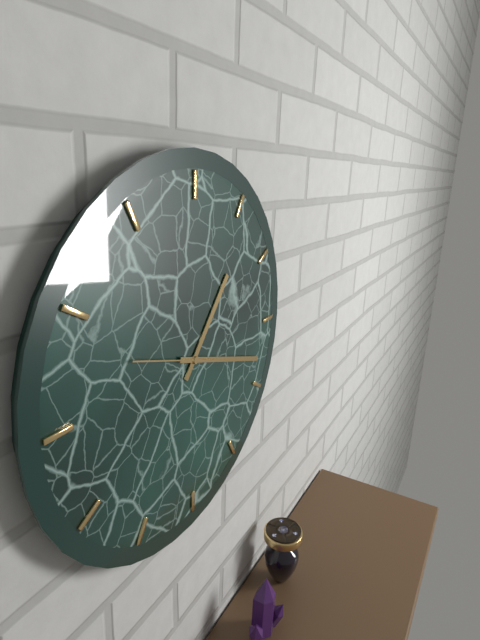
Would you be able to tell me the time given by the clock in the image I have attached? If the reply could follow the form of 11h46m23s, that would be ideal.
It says 1h18m48s
